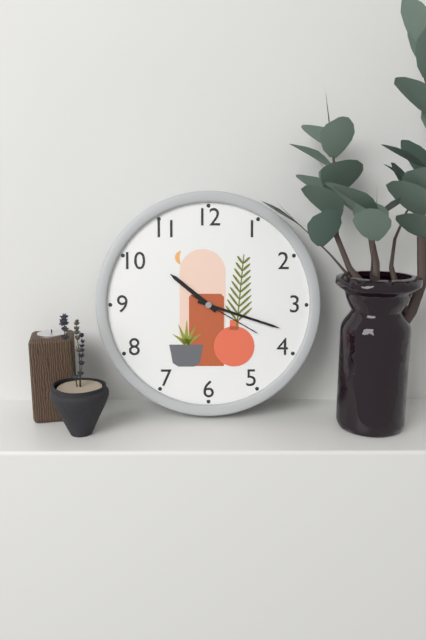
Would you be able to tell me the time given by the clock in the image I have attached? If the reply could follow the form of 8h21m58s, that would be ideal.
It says 10h18m20s
